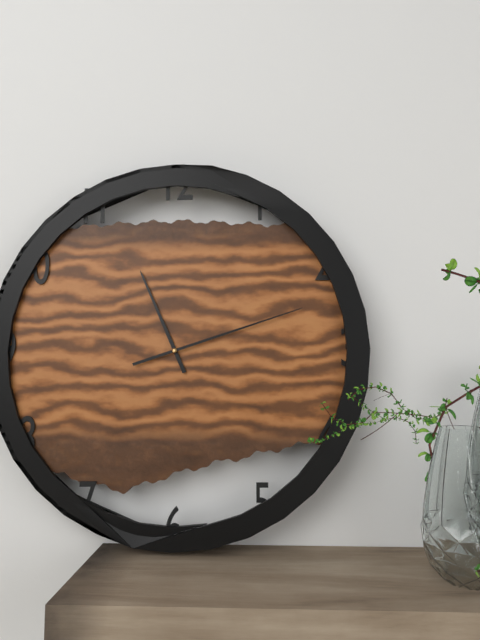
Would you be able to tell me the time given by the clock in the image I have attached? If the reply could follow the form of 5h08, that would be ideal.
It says 11h12
